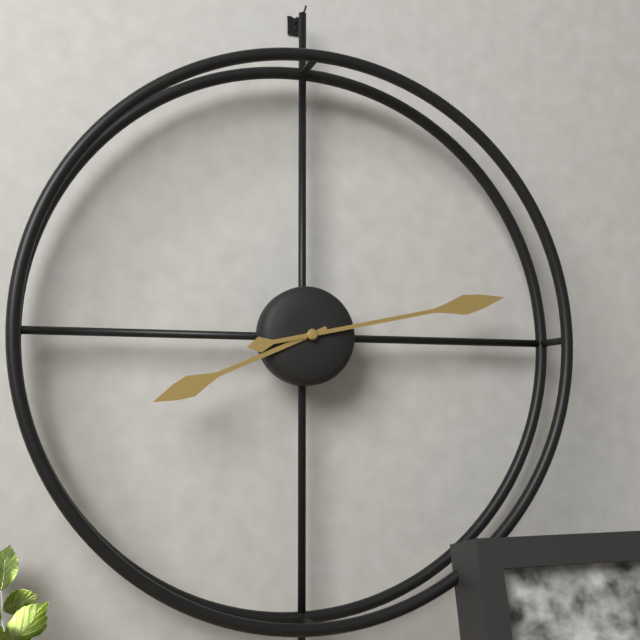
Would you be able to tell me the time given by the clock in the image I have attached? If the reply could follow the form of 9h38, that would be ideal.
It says 8h13
